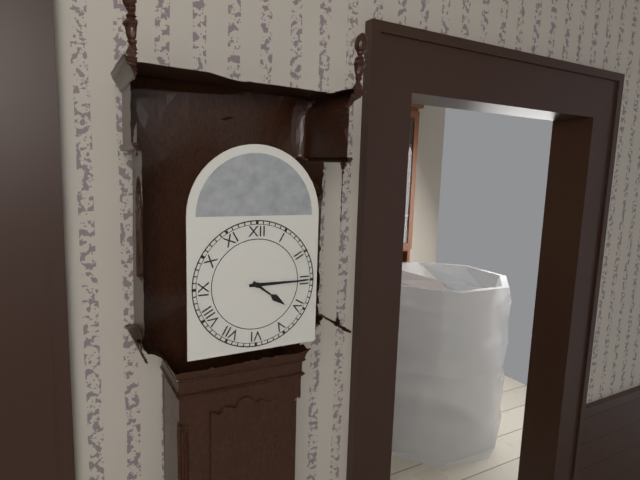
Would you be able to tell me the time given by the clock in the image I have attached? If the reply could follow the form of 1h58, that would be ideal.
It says 4h15
